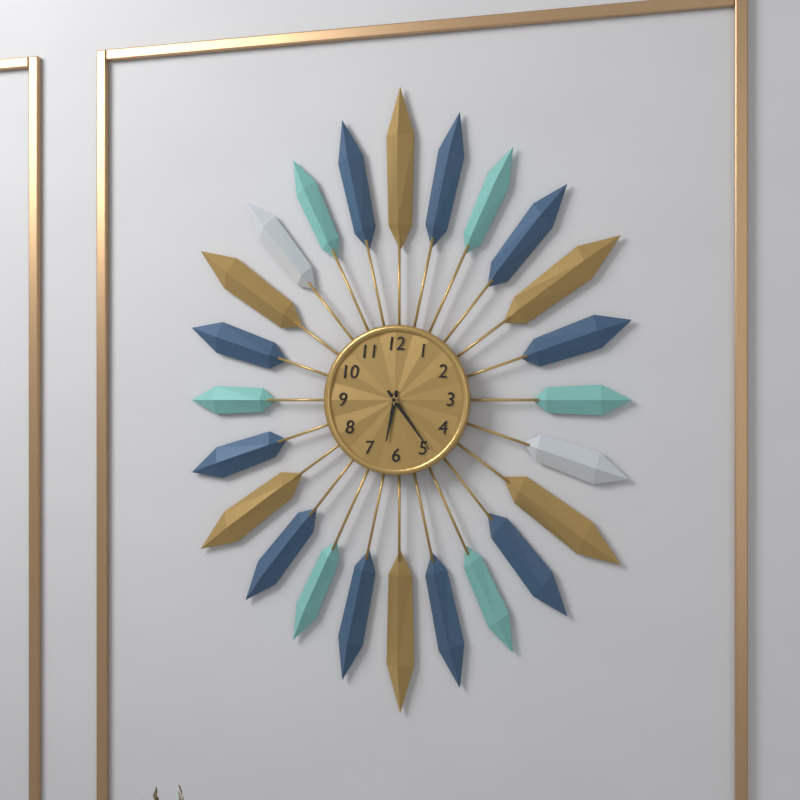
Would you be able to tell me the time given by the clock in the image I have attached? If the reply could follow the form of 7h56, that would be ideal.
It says 6h24
